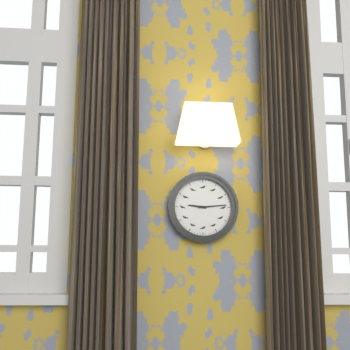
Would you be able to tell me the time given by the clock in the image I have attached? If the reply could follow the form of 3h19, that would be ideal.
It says 9h14
